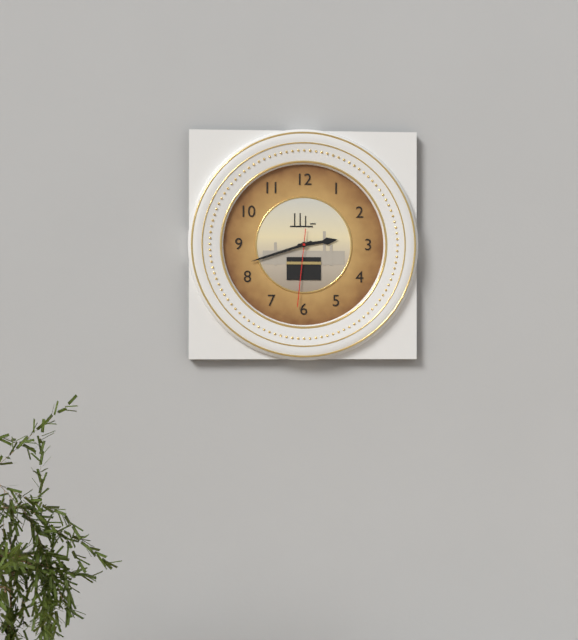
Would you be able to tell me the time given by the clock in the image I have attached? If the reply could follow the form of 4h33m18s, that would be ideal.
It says 2h42m31s
